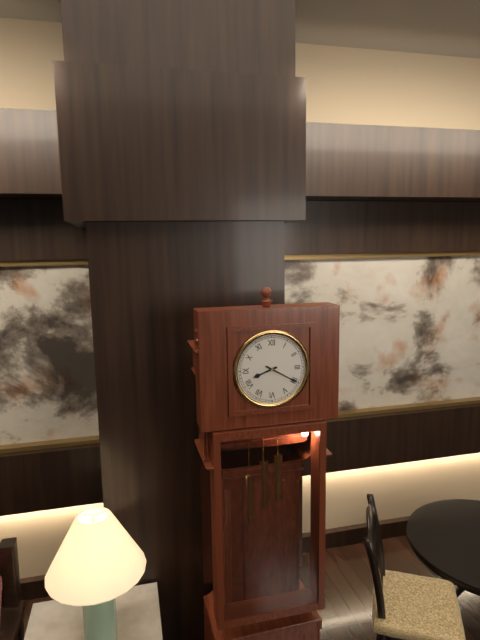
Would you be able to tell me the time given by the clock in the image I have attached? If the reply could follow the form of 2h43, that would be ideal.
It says 8h20
